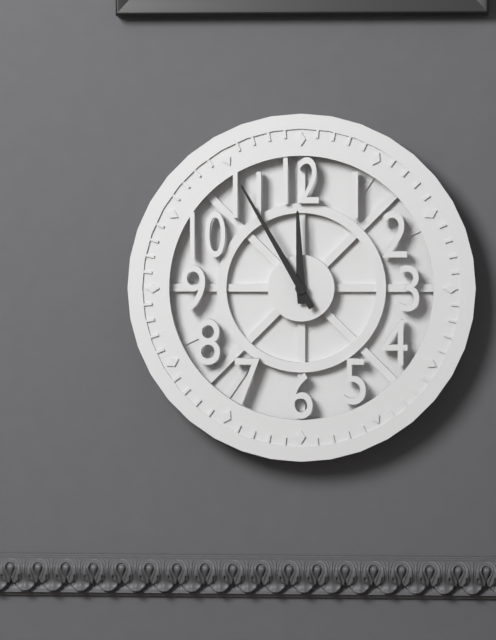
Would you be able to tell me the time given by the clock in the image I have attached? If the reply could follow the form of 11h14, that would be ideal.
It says 11h55
